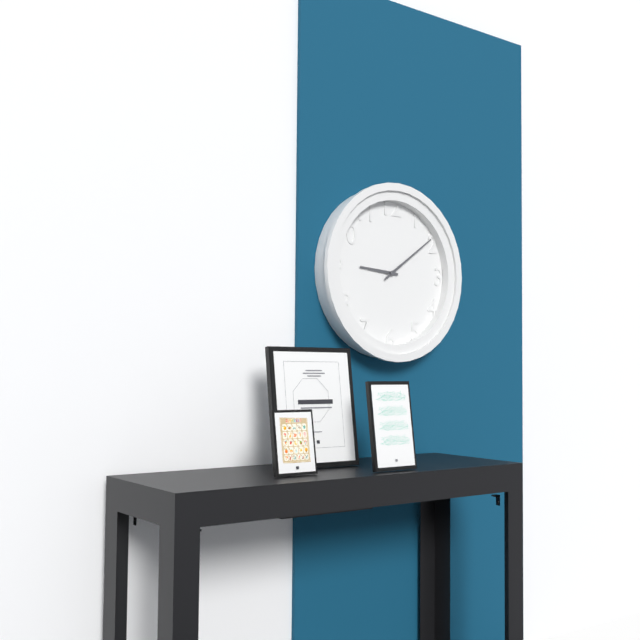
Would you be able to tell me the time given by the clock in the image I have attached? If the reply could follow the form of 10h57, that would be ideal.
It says 9h09
